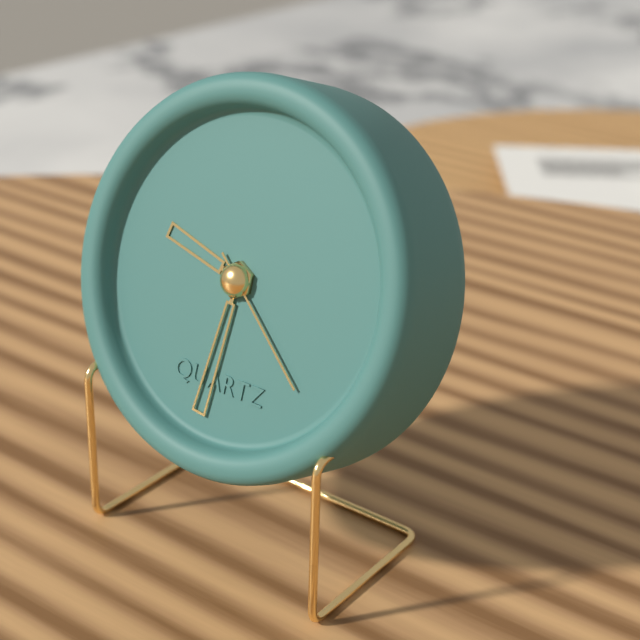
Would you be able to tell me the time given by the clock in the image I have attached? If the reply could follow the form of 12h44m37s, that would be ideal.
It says 9h31m22s
